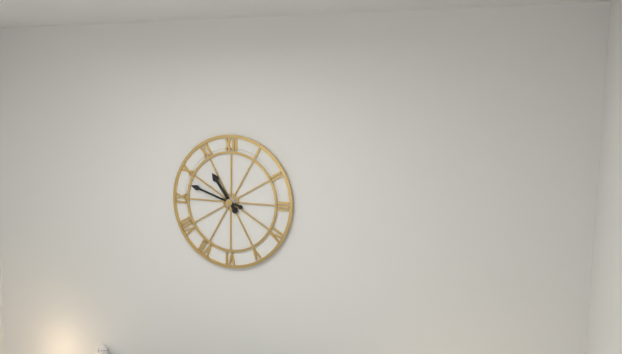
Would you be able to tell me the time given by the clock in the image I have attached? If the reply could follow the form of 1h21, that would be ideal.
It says 10h48
